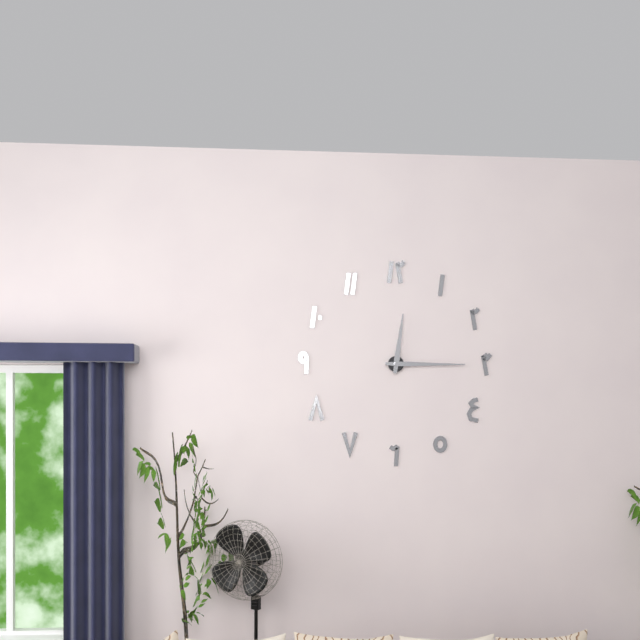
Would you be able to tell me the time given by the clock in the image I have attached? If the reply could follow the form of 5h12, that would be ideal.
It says 12h15
